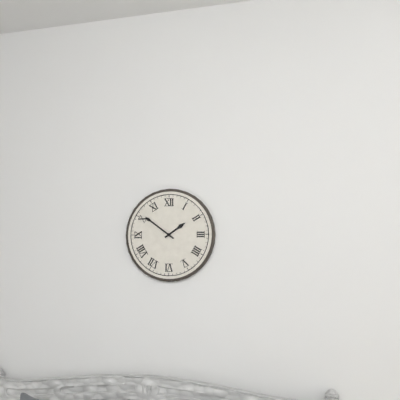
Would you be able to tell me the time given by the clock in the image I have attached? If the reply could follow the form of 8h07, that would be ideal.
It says 1h51
